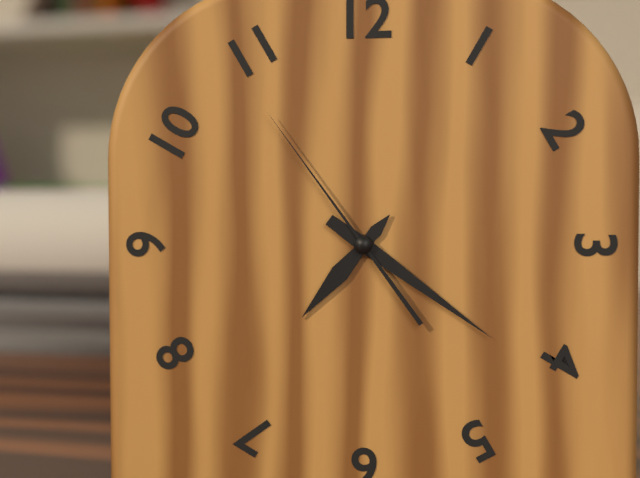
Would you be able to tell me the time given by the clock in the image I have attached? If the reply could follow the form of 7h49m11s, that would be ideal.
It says 7h21m54s
